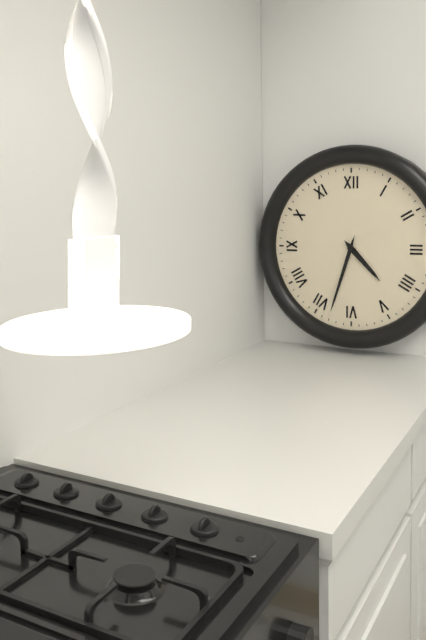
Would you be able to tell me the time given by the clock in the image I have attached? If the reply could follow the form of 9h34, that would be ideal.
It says 4h33
